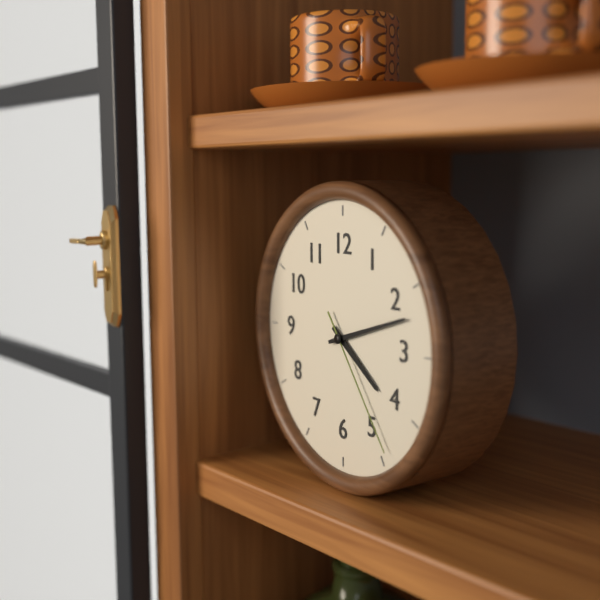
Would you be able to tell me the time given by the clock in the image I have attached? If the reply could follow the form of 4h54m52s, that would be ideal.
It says 4h12m24s
